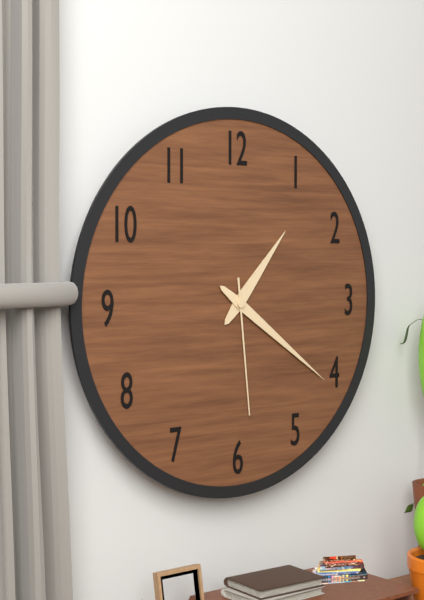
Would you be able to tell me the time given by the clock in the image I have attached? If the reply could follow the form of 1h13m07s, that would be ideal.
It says 1h21m29s
